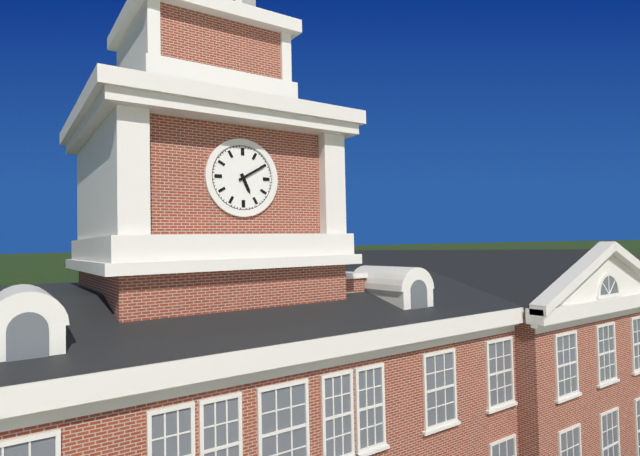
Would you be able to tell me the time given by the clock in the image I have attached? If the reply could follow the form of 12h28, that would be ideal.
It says 5h10
